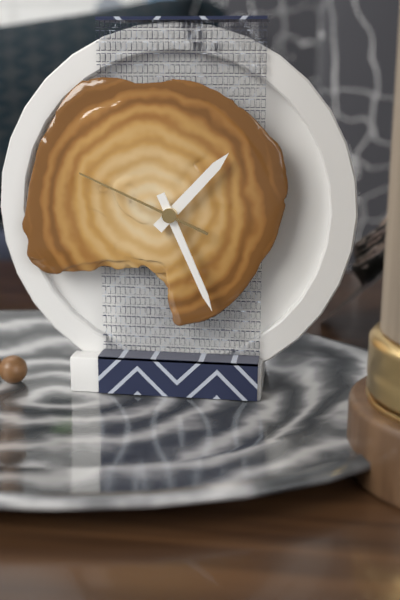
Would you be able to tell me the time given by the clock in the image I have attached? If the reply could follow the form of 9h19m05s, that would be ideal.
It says 1h26m49s
